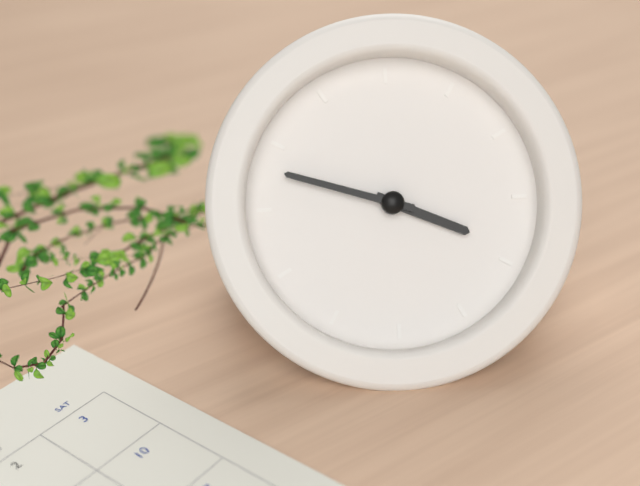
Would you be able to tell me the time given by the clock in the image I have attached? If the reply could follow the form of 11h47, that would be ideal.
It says 3h48
